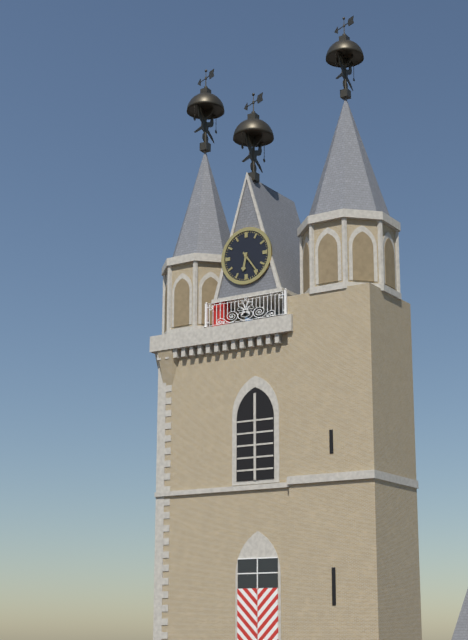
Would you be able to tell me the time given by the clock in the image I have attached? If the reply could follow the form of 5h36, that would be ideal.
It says 6h24
